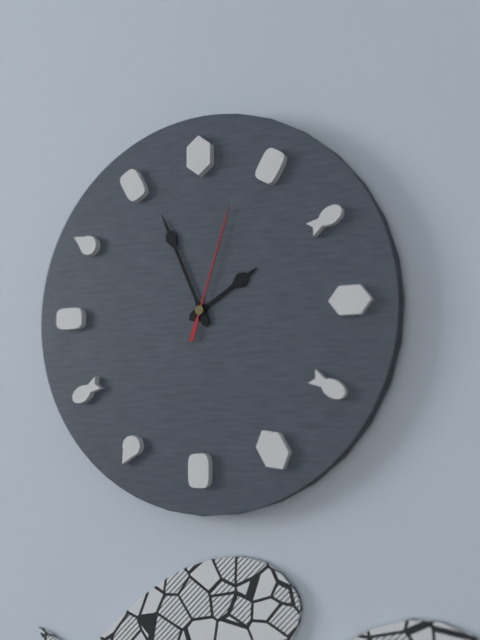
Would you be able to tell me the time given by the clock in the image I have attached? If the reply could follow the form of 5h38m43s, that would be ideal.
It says 1h56m03s
